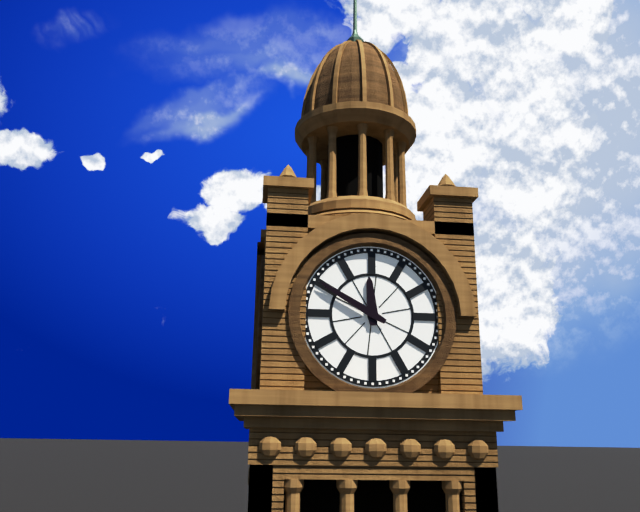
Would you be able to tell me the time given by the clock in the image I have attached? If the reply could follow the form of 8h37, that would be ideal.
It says 11h50
